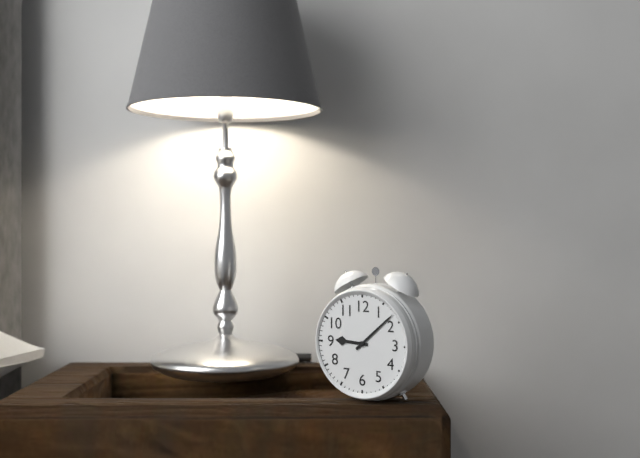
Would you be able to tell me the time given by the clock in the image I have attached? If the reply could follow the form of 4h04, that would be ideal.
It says 9h08
